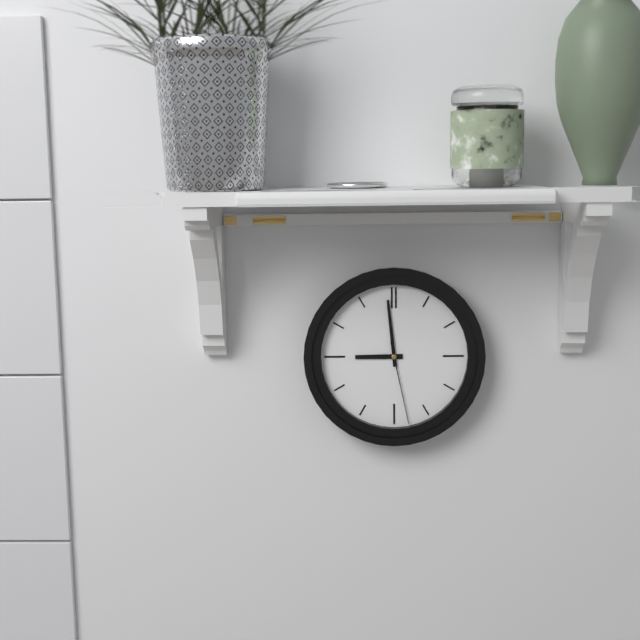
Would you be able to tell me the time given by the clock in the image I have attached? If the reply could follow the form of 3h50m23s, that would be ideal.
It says 8h59m28s
